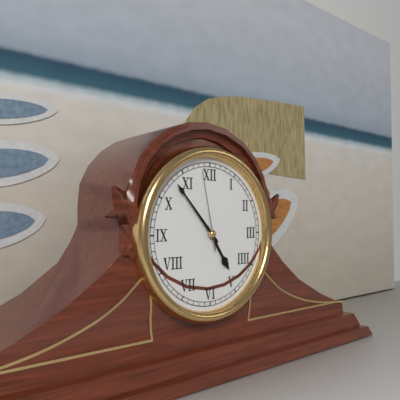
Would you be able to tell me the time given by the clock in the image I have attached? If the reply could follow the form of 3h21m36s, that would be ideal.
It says 4h53m58s
